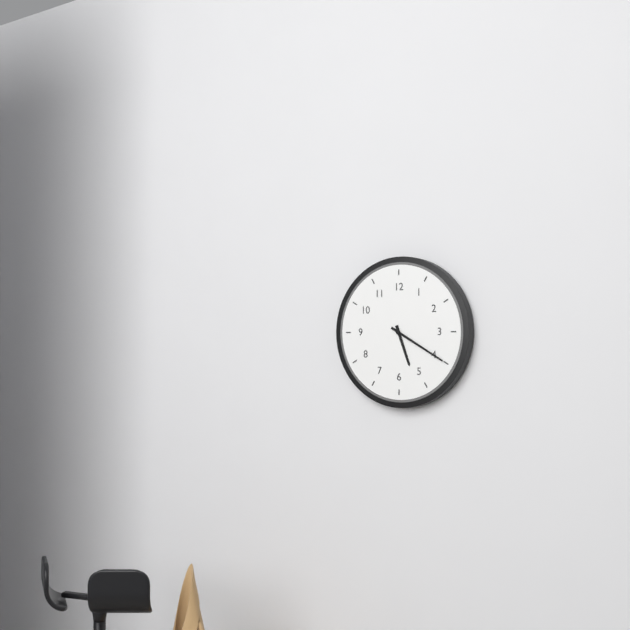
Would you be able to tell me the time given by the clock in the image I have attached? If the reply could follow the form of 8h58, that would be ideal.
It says 5h20
